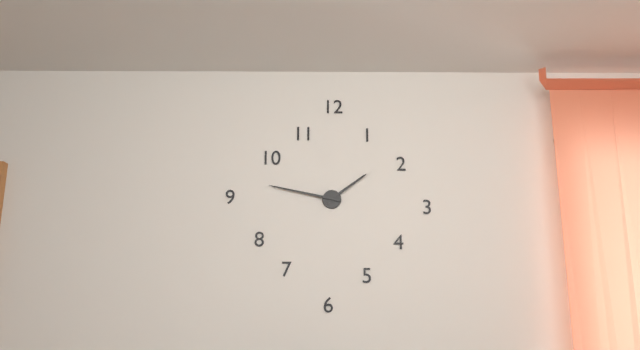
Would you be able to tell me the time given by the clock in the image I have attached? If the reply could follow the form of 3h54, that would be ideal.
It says 1h47
